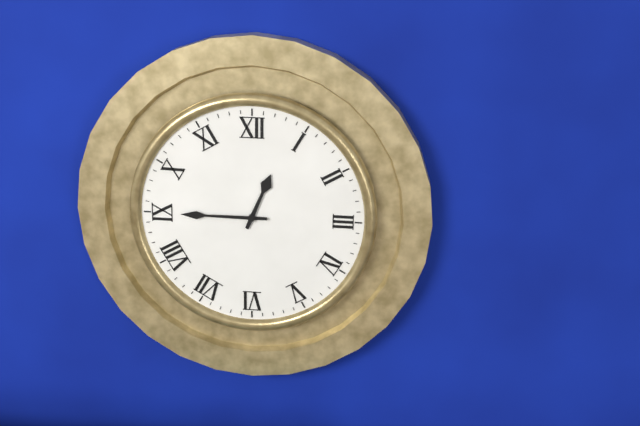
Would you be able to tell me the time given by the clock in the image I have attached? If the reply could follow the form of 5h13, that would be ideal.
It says 12h45
